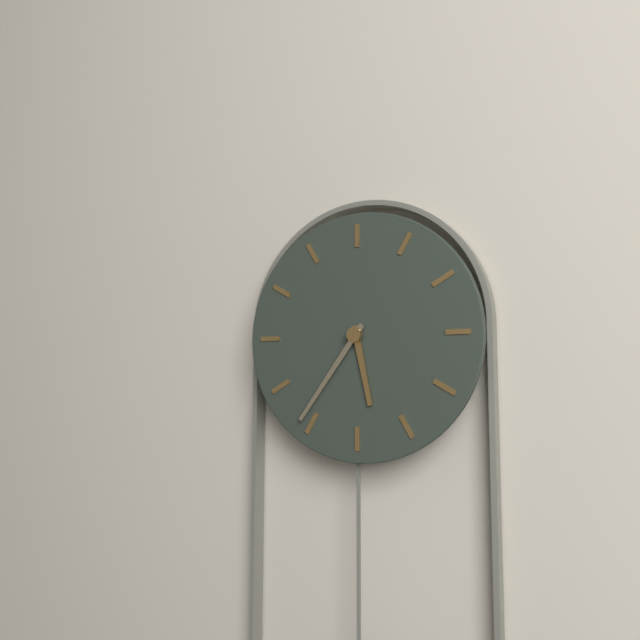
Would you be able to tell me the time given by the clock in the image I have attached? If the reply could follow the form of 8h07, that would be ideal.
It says 5h36
